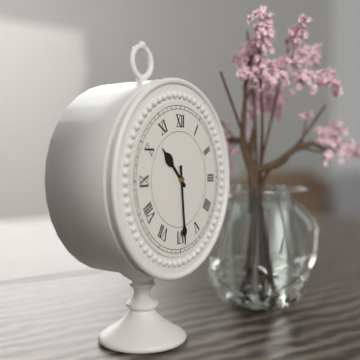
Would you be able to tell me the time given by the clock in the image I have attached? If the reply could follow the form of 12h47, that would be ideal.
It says 10h29
